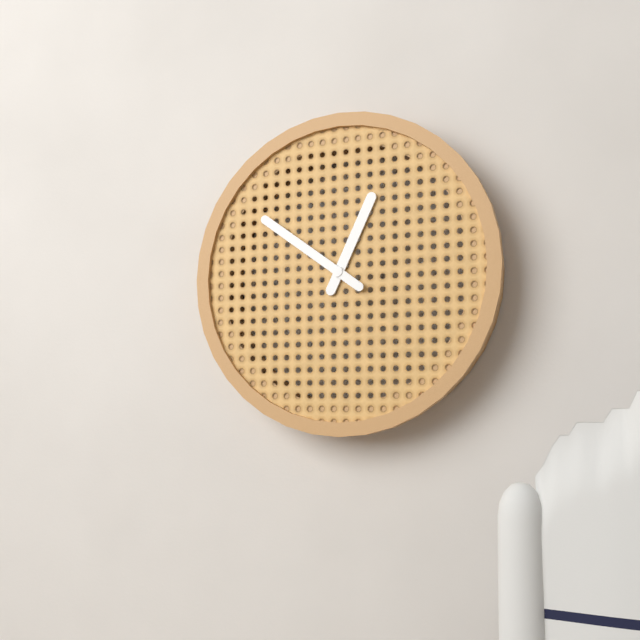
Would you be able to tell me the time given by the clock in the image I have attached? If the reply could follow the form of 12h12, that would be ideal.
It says 12h51
